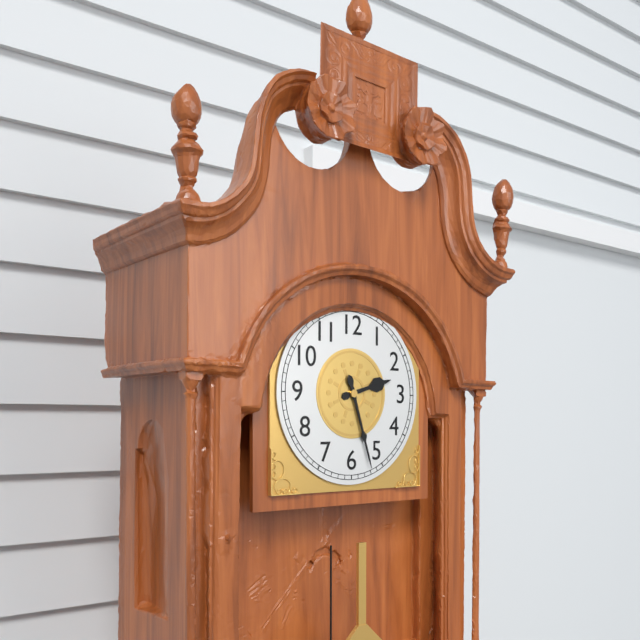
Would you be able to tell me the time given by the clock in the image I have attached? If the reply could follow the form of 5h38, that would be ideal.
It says 2h27
